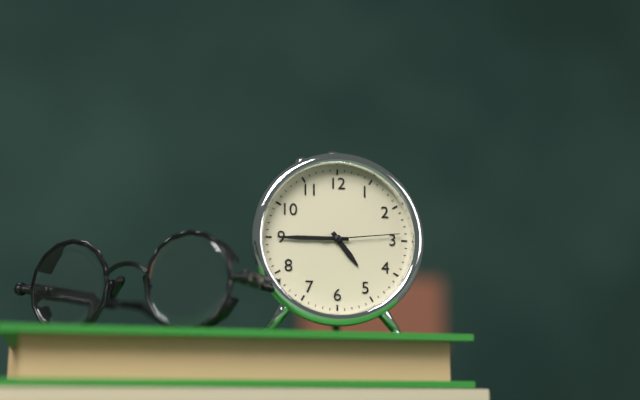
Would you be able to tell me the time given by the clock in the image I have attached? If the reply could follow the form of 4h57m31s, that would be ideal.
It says 4h45m14s
